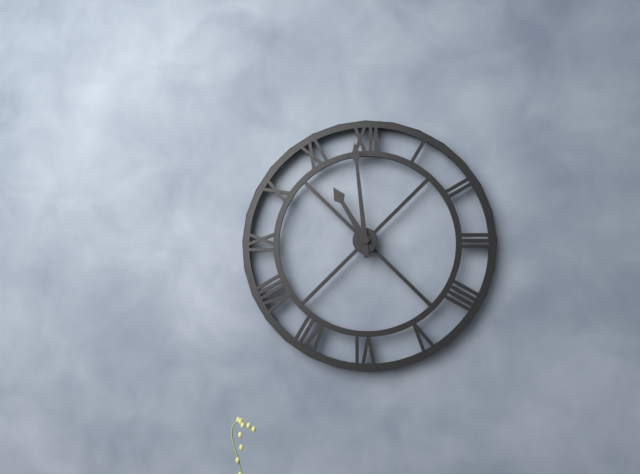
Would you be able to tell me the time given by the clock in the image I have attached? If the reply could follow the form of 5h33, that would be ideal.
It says 10h59
